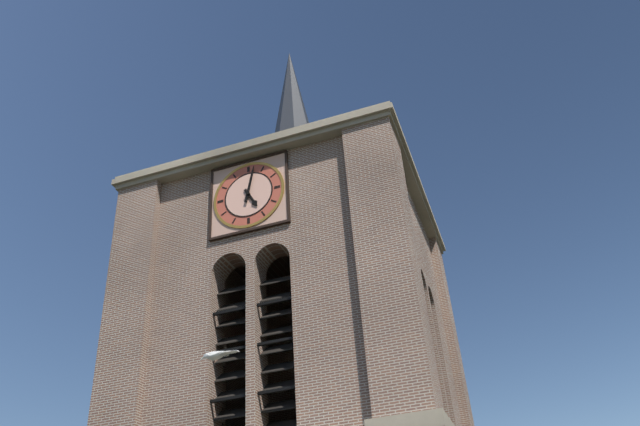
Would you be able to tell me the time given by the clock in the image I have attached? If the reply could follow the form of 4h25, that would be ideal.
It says 5h02
